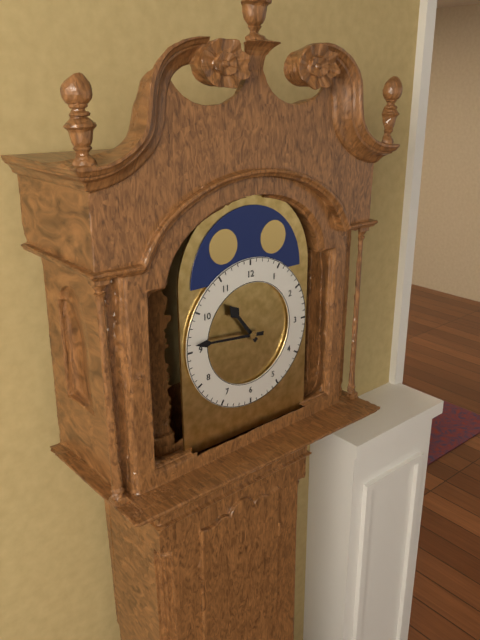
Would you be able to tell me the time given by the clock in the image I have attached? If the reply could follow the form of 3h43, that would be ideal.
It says 10h46
